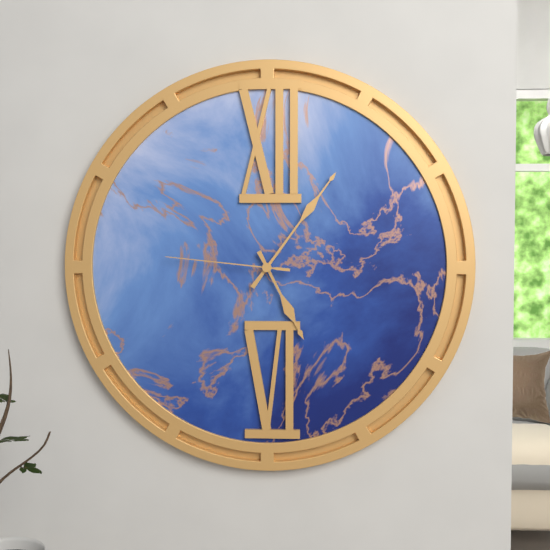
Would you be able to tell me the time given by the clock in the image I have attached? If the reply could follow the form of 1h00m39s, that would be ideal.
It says 5h06m46s
